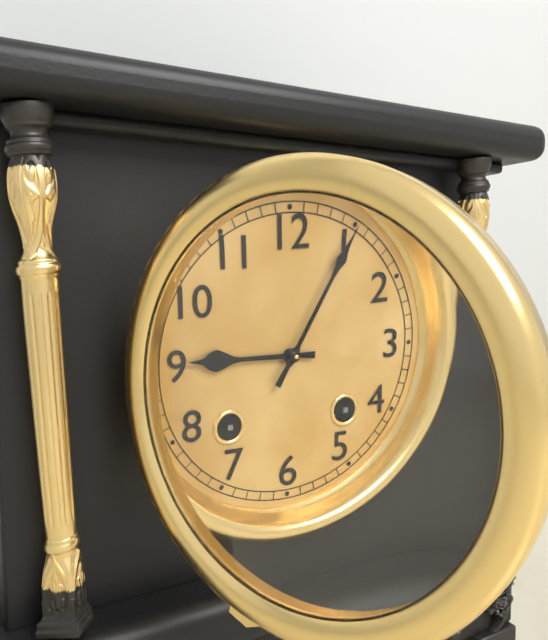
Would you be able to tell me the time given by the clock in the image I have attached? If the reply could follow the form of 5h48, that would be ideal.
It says 9h05
